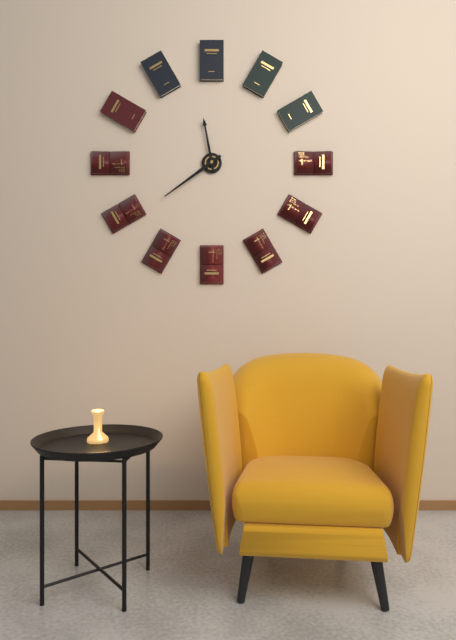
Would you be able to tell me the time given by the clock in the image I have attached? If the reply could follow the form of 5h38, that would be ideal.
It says 11h39
